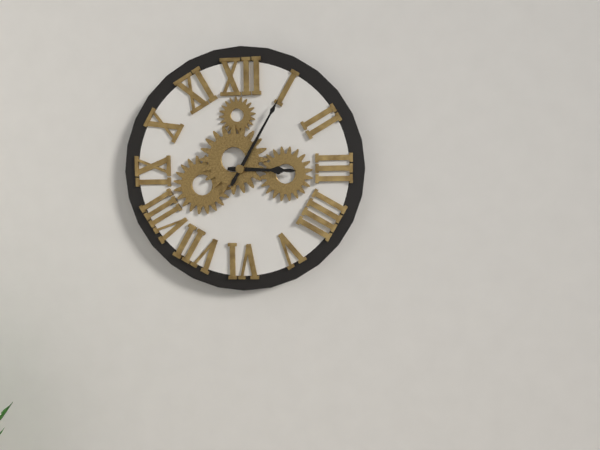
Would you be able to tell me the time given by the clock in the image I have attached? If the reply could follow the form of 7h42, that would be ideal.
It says 3h05
